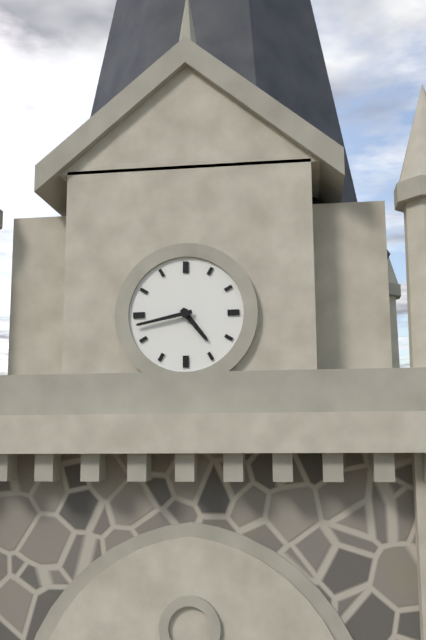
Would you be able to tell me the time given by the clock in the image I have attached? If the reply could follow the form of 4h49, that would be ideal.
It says 4h43
